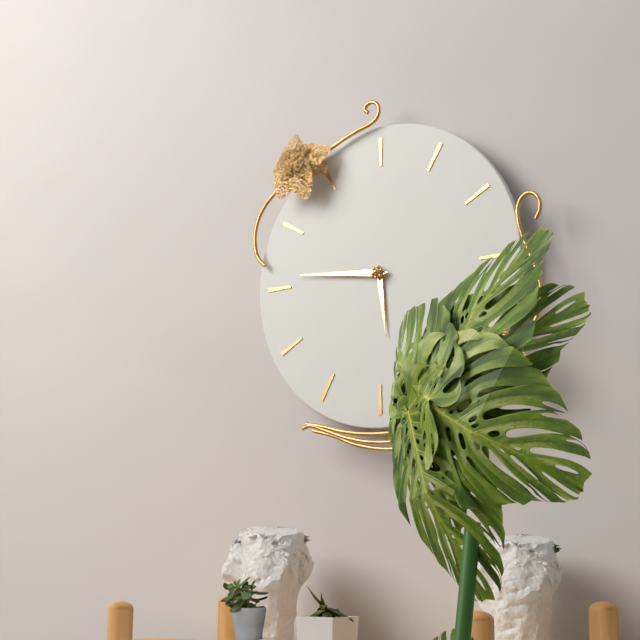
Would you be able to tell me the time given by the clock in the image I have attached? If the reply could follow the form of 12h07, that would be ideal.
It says 5h46
